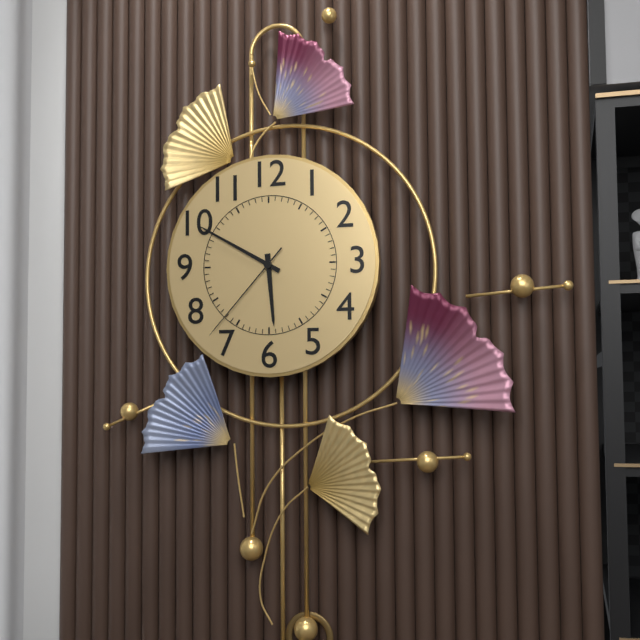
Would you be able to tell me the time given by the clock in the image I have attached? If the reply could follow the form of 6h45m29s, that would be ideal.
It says 5h50m37s
